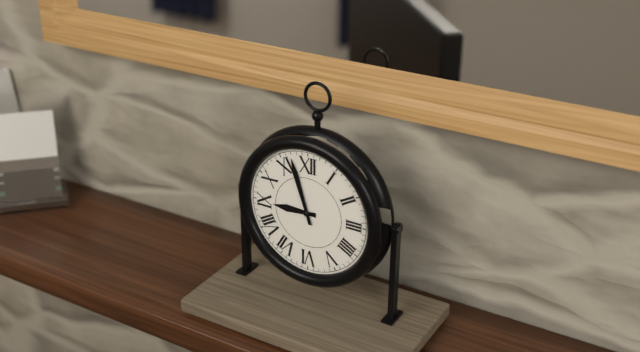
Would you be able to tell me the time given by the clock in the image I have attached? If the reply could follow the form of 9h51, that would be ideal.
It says 8h57
